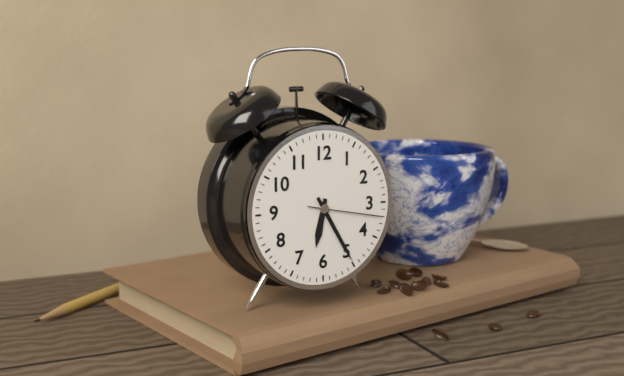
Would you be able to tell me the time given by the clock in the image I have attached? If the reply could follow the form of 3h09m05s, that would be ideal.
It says 6h25m17s
